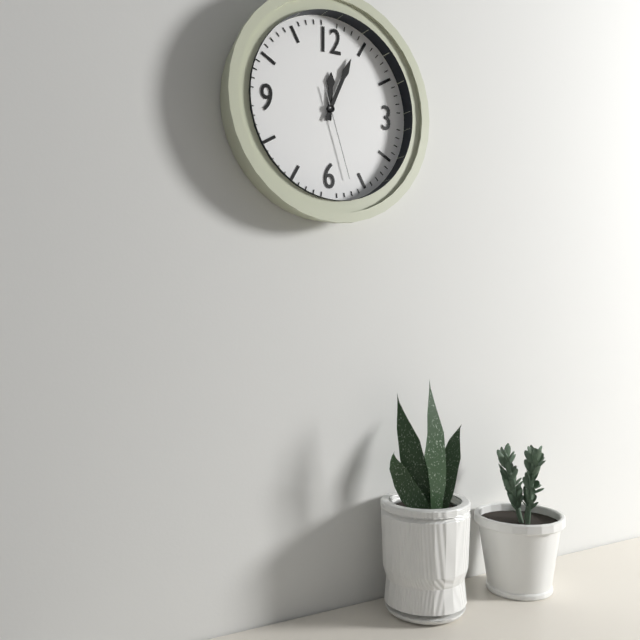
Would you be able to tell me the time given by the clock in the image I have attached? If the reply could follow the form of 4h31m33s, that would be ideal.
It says 12h04m27s
